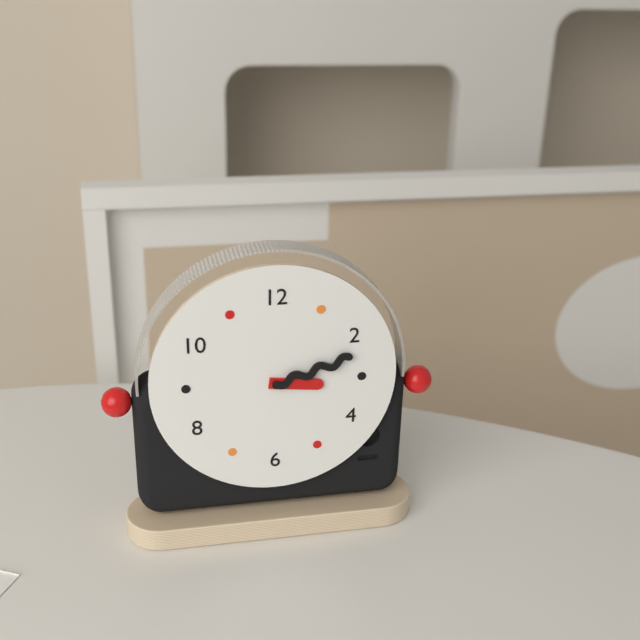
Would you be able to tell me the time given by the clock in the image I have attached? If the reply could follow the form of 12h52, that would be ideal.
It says 3h12
